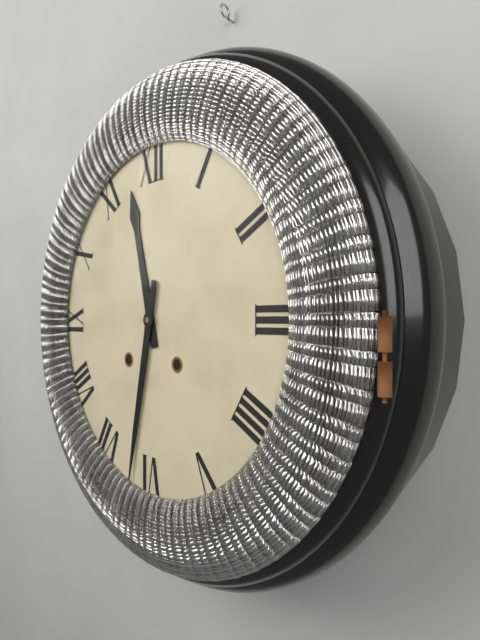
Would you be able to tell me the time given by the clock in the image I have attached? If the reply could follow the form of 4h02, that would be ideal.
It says 11h32
